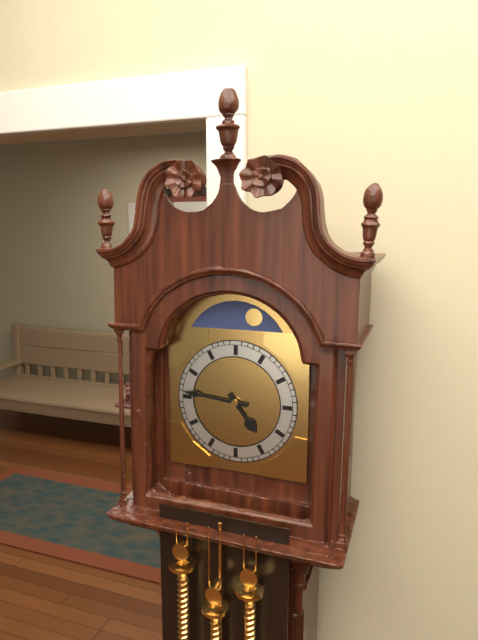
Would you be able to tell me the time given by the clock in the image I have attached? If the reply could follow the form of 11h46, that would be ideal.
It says 4h46
